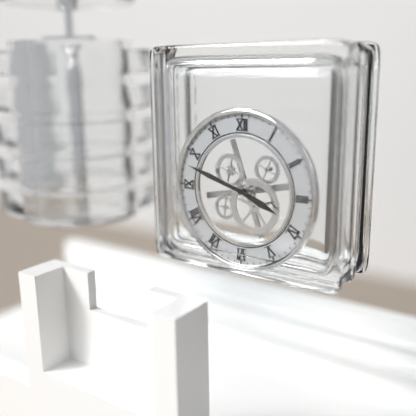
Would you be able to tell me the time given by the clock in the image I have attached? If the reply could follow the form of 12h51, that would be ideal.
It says 3h48
